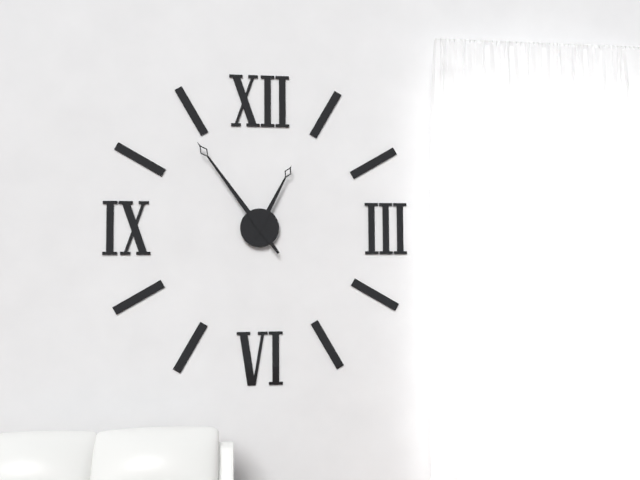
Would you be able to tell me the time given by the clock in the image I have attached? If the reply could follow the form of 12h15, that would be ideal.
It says 12h54
